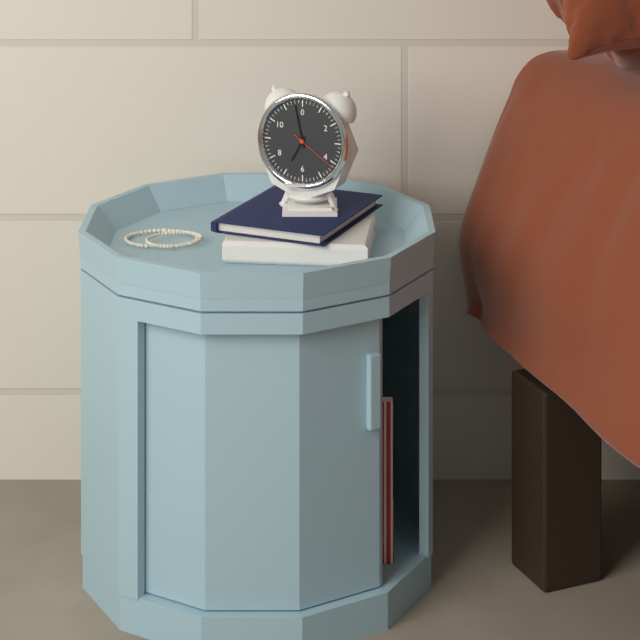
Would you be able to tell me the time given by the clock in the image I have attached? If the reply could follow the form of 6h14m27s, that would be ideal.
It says 6h58m21s
